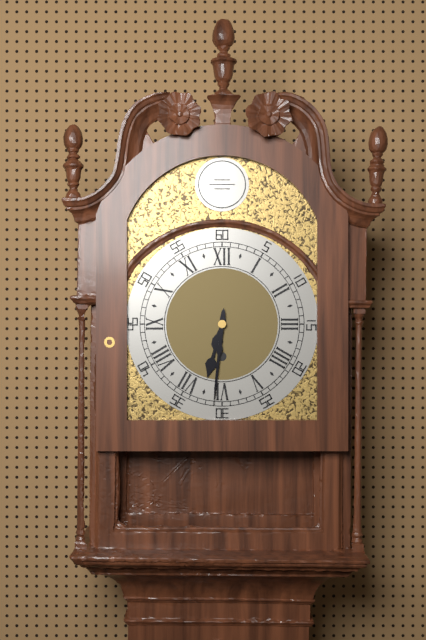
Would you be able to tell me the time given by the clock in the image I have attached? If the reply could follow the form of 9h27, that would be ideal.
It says 6h31
